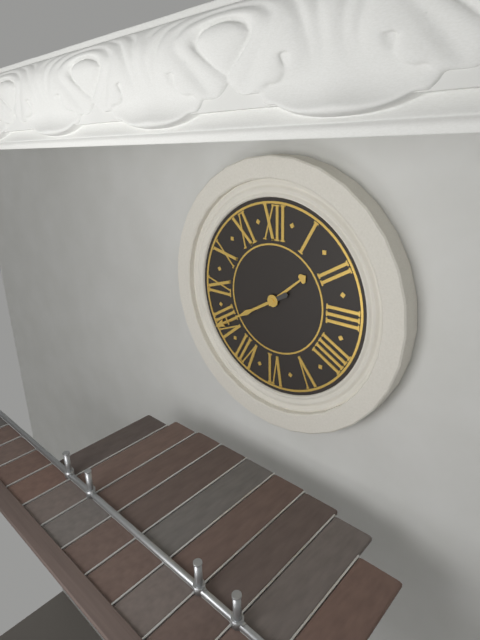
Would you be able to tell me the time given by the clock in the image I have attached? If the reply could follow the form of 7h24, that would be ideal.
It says 1h40
